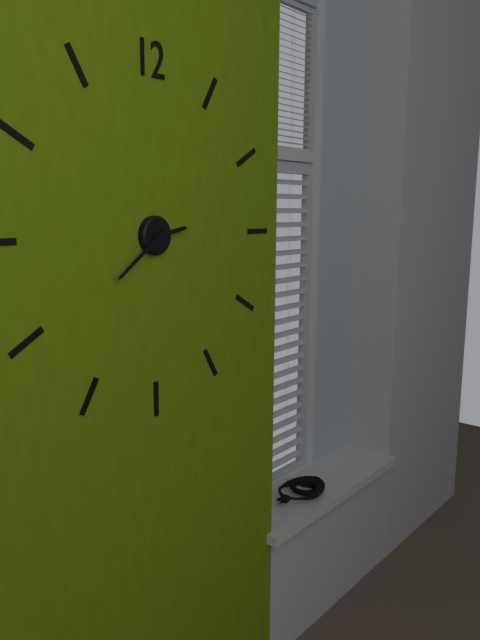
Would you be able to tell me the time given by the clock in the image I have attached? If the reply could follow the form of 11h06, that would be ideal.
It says 2h39
